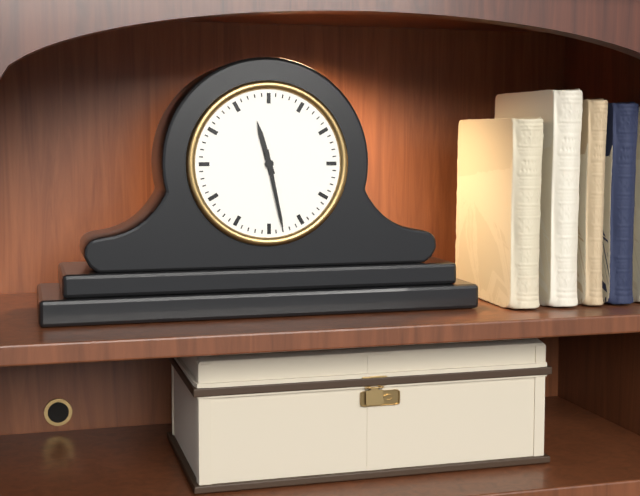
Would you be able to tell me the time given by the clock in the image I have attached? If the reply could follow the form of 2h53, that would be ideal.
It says 11h28
